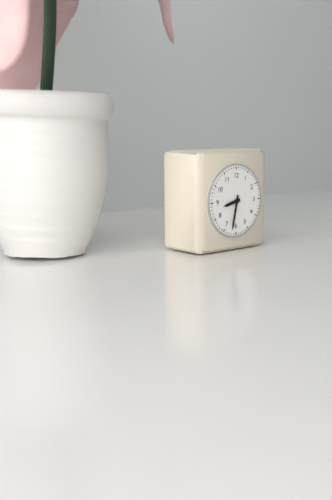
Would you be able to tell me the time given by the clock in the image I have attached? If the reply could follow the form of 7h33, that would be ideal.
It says 8h32
